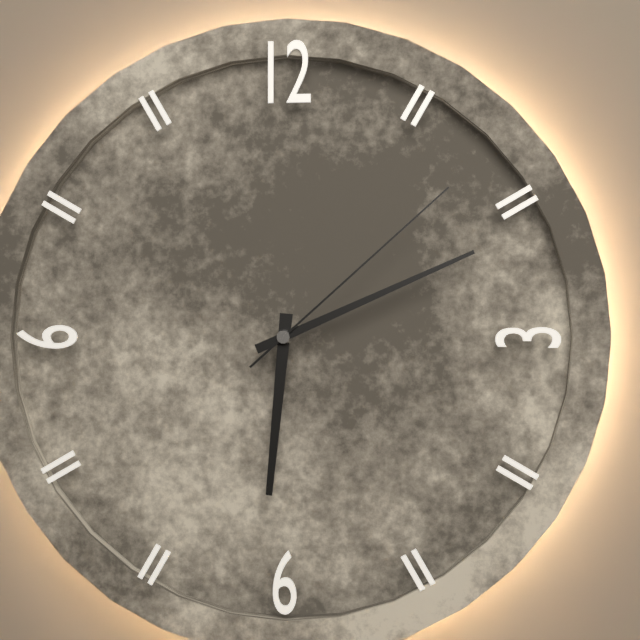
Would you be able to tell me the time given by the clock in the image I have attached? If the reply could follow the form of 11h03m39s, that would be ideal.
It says 6h11m08s
